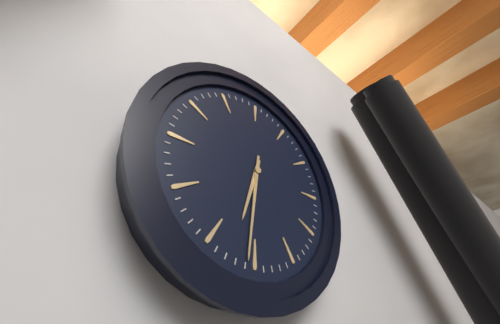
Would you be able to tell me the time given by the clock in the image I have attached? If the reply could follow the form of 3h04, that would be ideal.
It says 6h31
